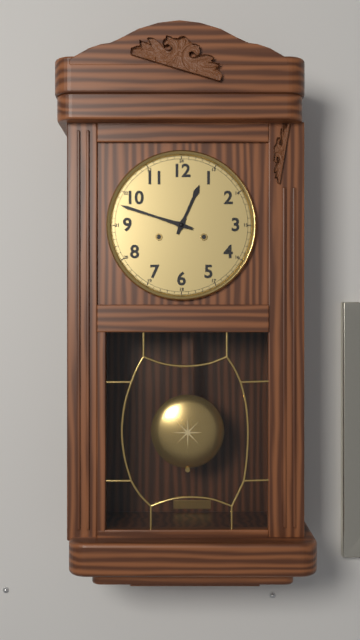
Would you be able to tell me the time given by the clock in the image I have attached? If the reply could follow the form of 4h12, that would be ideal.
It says 12h48
